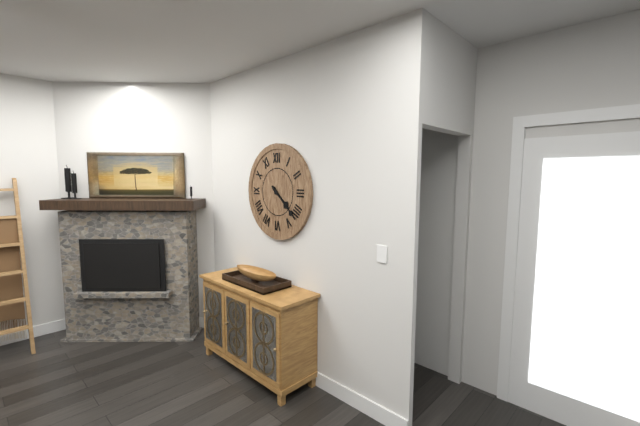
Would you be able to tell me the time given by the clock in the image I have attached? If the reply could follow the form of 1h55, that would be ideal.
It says 4h22
